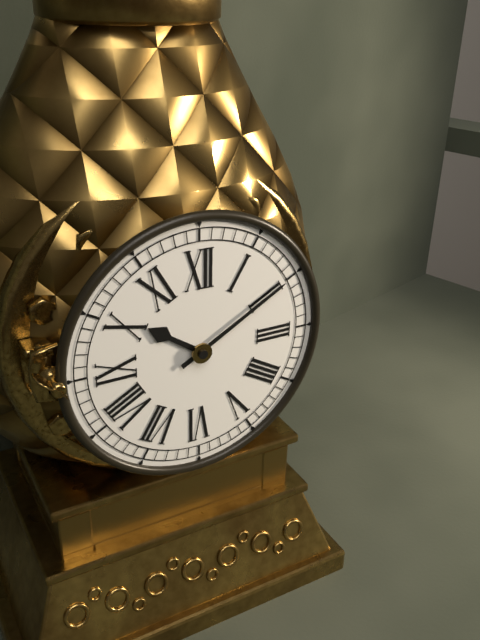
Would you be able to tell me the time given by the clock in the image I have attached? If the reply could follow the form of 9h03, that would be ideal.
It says 10h10
